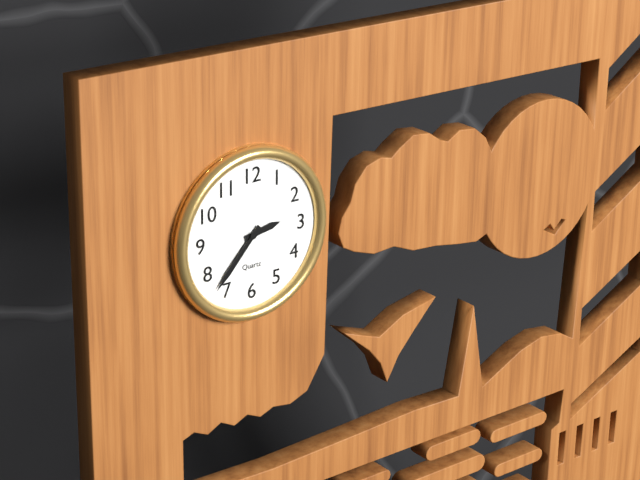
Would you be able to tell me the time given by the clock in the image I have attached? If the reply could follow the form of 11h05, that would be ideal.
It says 2h37
